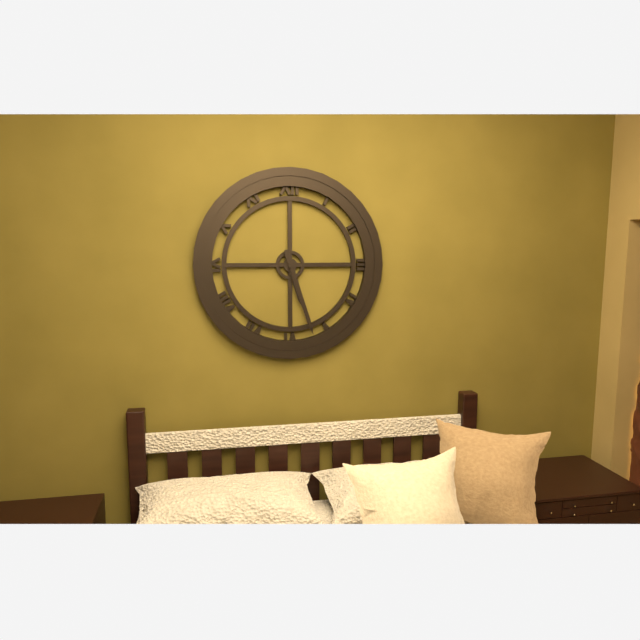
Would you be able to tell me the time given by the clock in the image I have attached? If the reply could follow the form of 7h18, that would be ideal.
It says 5h27
